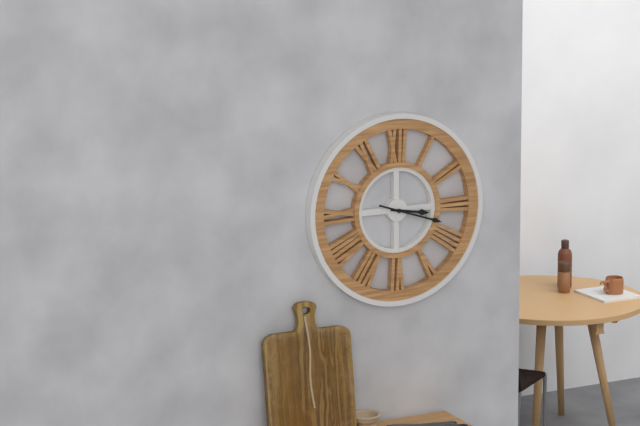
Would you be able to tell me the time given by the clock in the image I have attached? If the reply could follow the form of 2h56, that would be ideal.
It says 3h18
